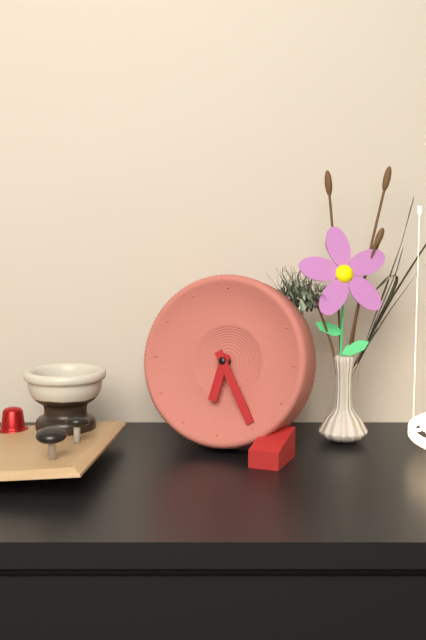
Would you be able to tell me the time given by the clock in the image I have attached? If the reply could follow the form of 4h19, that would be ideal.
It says 6h25
